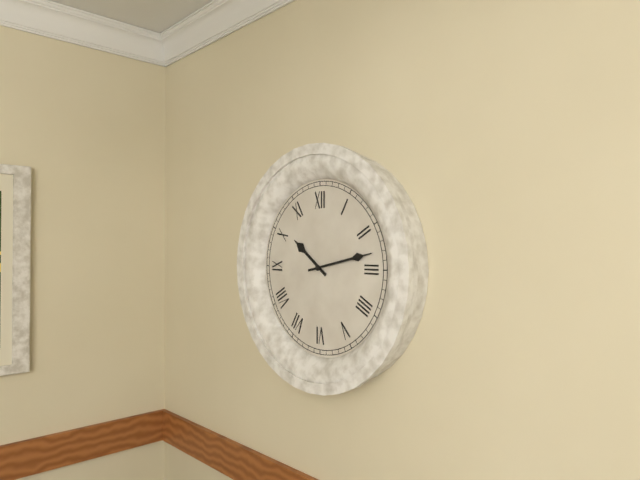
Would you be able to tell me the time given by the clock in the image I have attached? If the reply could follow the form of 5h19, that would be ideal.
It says 10h13
